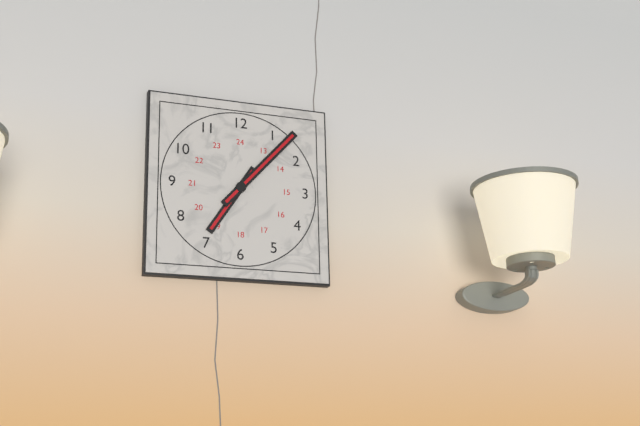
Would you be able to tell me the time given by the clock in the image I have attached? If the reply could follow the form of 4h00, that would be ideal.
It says 7h07
